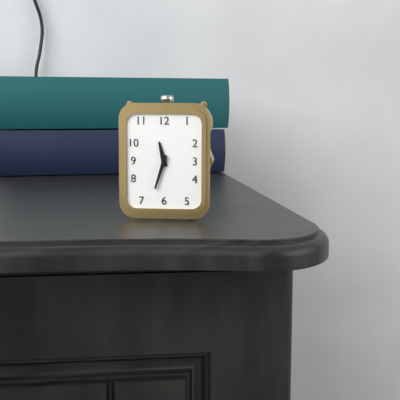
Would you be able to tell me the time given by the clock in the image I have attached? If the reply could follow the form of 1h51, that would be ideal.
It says 11h33
